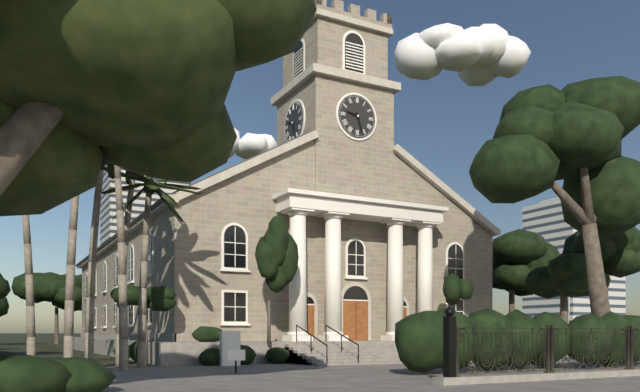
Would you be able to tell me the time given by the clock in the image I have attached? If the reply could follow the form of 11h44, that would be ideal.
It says 9h27
